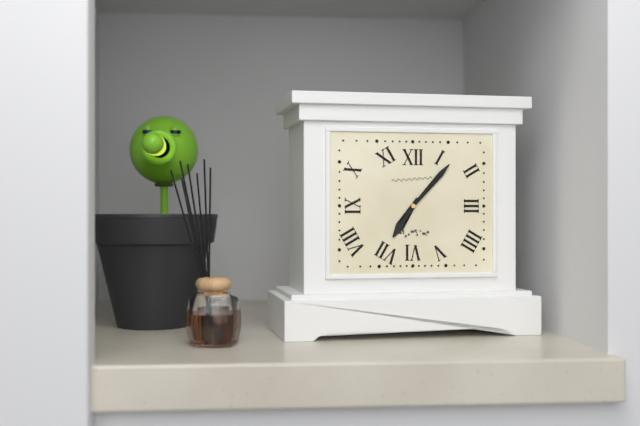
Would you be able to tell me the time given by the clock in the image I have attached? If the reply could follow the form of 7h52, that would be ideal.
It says 7h07
